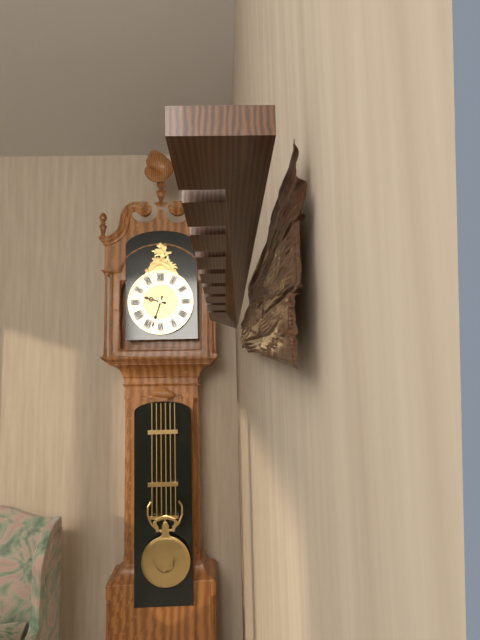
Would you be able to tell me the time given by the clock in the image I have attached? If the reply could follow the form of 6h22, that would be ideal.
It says 9h33
